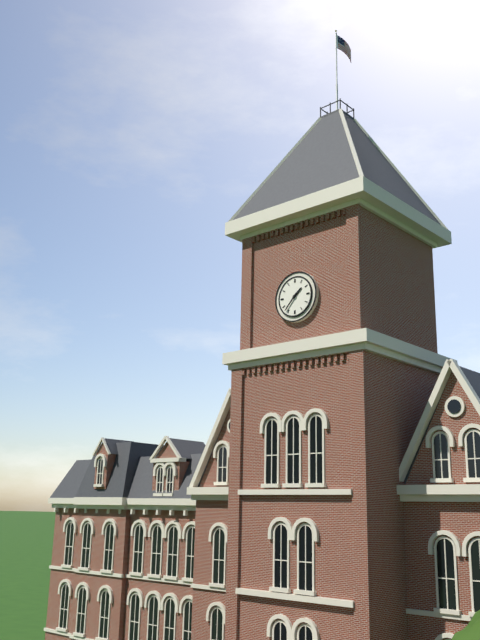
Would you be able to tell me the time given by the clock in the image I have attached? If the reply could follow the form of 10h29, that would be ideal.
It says 1h37
